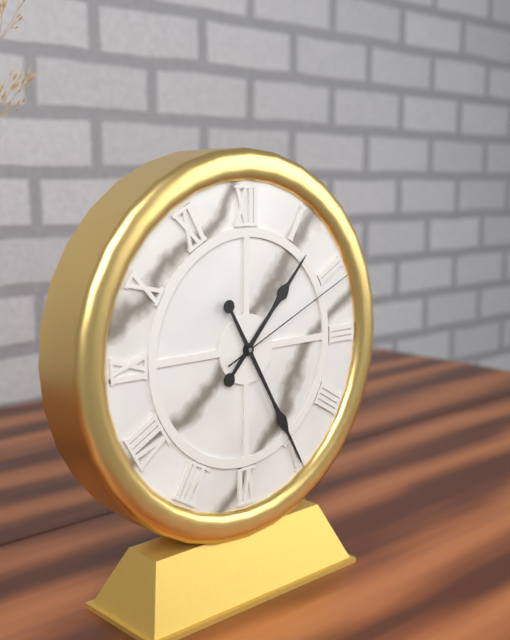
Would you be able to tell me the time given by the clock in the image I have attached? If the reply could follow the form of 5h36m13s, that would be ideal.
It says 1h25m11s
